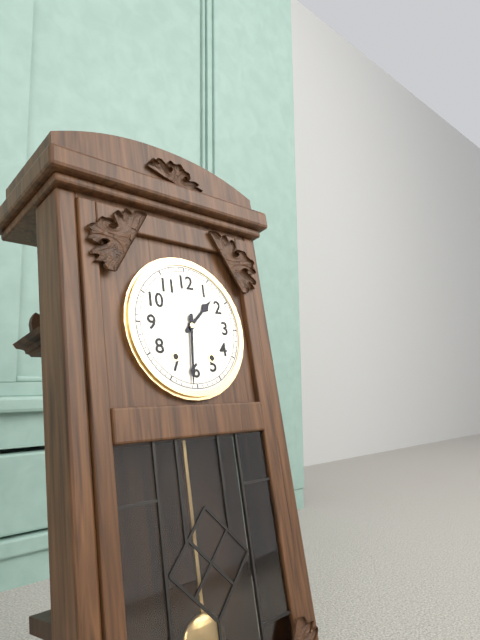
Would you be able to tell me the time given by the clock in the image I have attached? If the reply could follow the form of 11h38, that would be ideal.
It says 1h31
